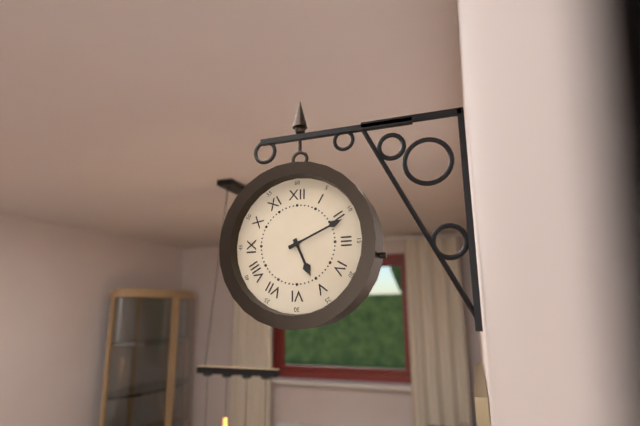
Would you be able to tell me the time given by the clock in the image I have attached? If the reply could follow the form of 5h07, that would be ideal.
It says 5h11
